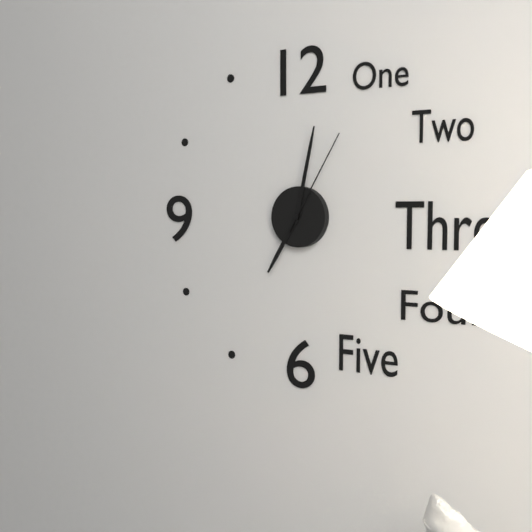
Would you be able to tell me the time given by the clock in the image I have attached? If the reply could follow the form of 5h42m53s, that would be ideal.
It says 7h02m05s
